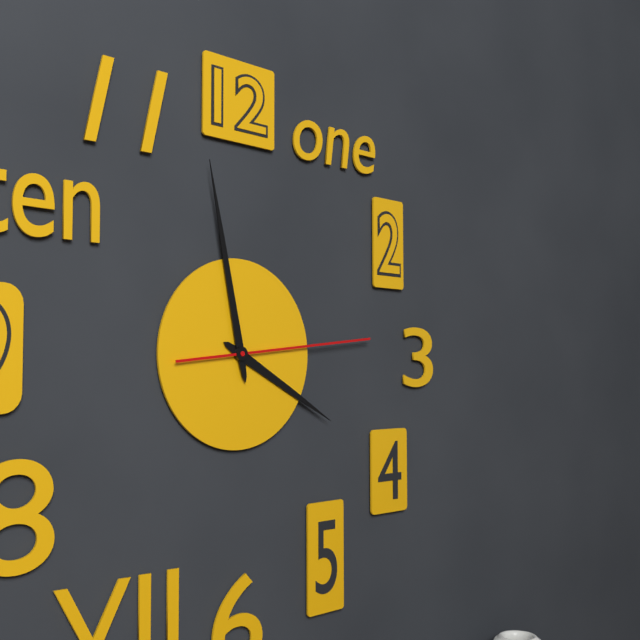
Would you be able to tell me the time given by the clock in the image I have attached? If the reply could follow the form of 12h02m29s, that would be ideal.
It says 3h58m14s
